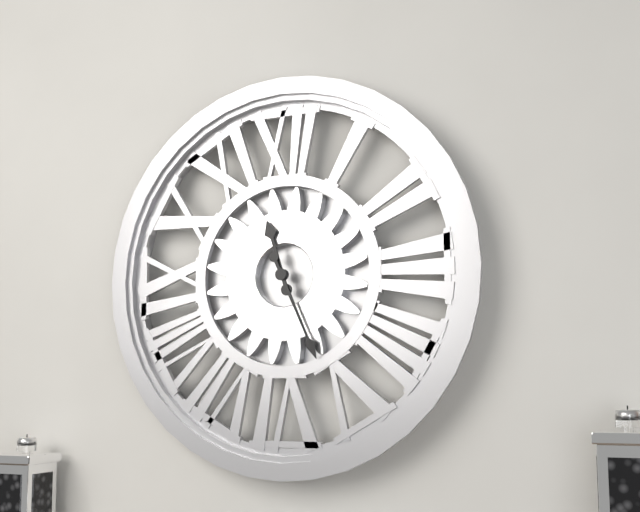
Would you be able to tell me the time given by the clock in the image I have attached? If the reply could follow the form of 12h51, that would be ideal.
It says 11h26
